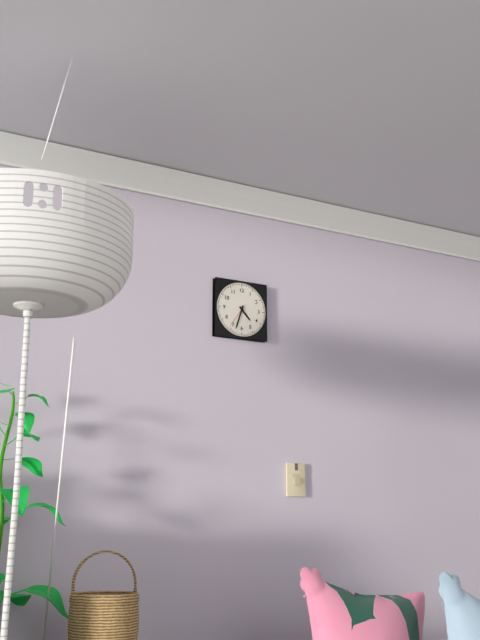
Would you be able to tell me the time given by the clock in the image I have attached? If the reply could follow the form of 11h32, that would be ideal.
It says 4h33
